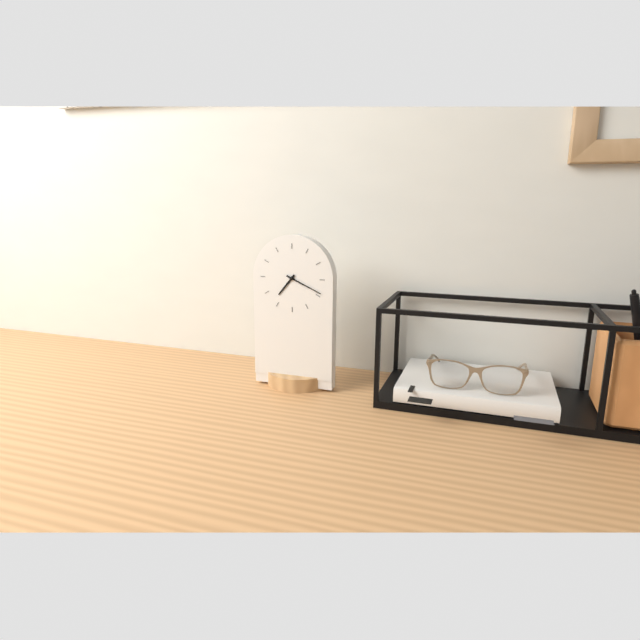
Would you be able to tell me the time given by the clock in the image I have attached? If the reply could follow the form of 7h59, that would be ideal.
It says 7h19
